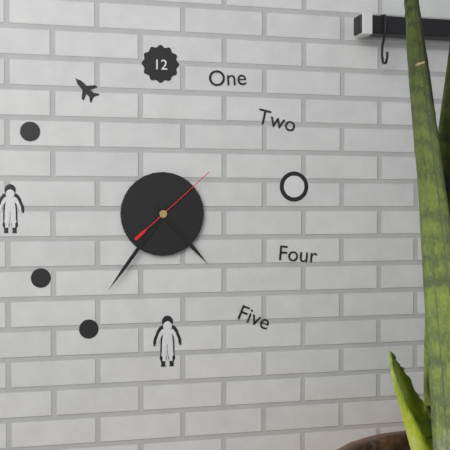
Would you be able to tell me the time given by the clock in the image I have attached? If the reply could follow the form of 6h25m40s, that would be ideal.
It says 4h36m08s
